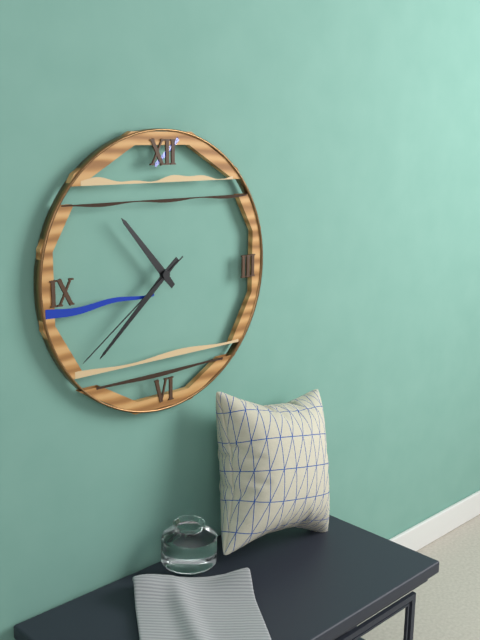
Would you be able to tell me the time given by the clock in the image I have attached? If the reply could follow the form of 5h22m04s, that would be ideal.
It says 10h38m39s
